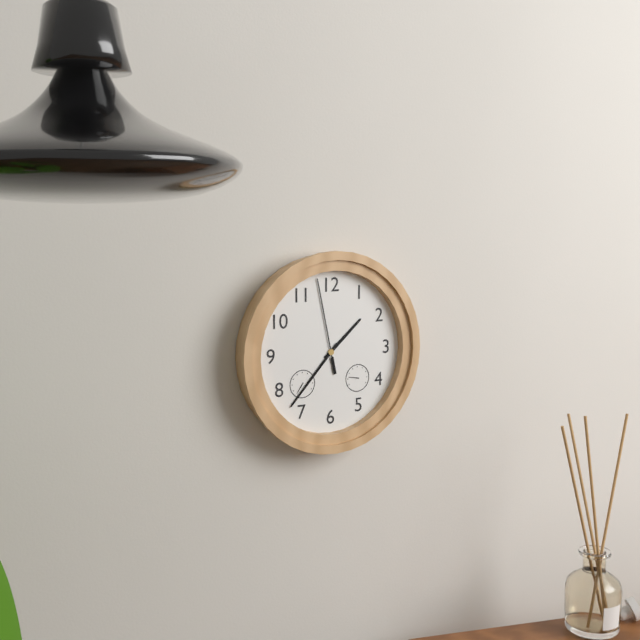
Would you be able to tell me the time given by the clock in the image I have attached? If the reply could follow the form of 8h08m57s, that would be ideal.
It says 1h37m58s
